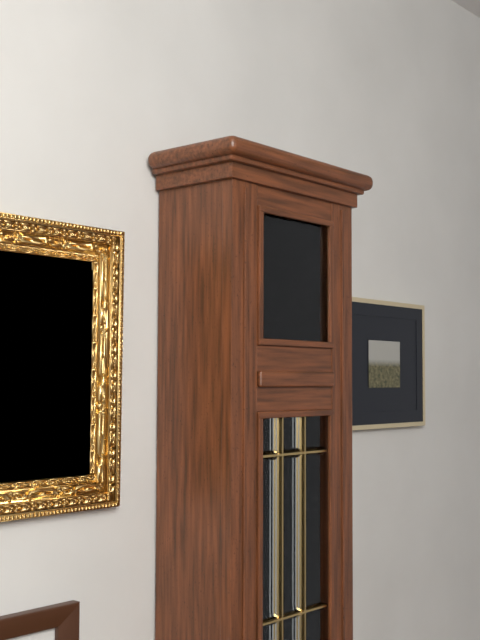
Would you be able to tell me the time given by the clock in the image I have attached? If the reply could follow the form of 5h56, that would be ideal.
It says 1h52
